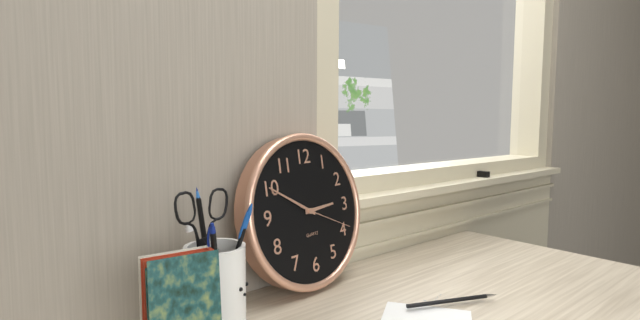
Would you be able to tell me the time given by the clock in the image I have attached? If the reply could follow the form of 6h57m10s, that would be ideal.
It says 2h50m19s
